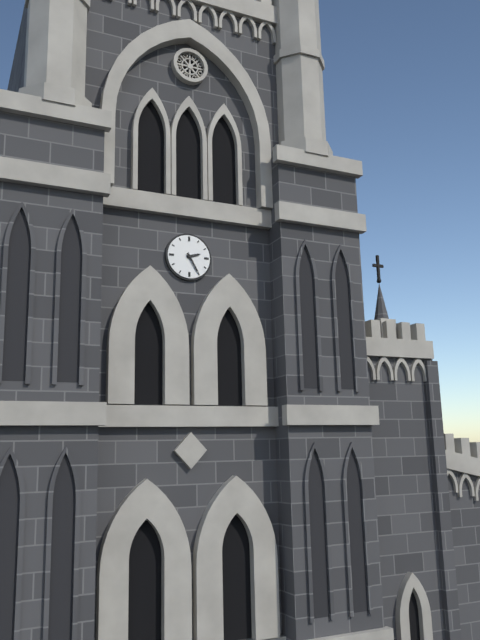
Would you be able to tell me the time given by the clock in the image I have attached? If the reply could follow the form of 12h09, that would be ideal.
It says 2h25
